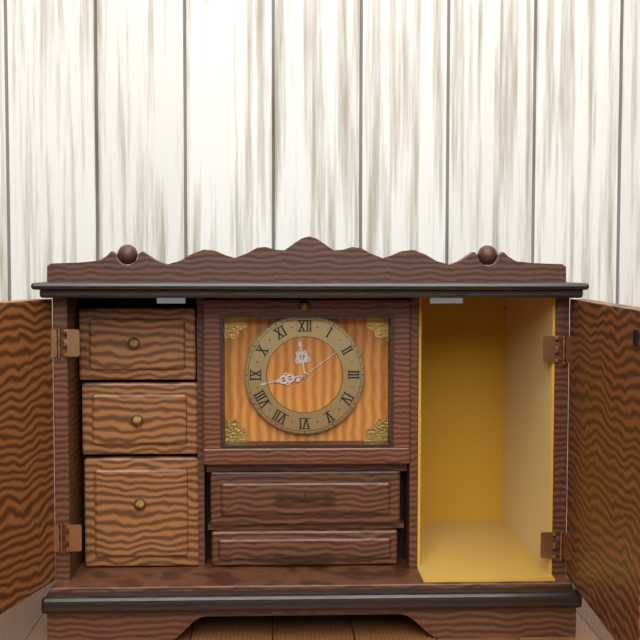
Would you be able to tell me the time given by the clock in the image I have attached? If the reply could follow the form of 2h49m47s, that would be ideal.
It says 11h43m09s
